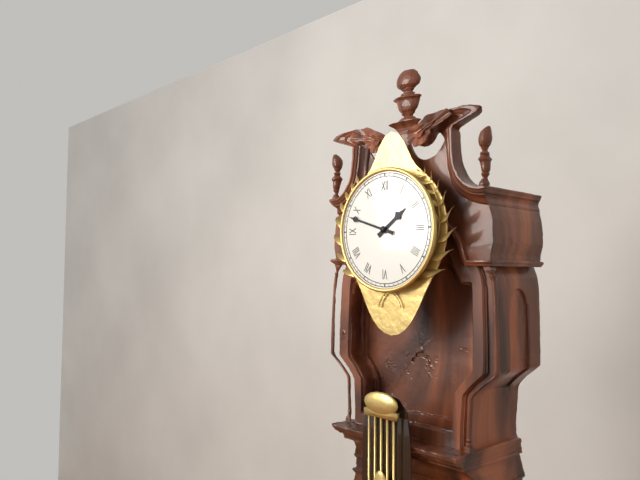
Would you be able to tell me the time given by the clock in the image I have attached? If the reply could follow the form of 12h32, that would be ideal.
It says 1h48
